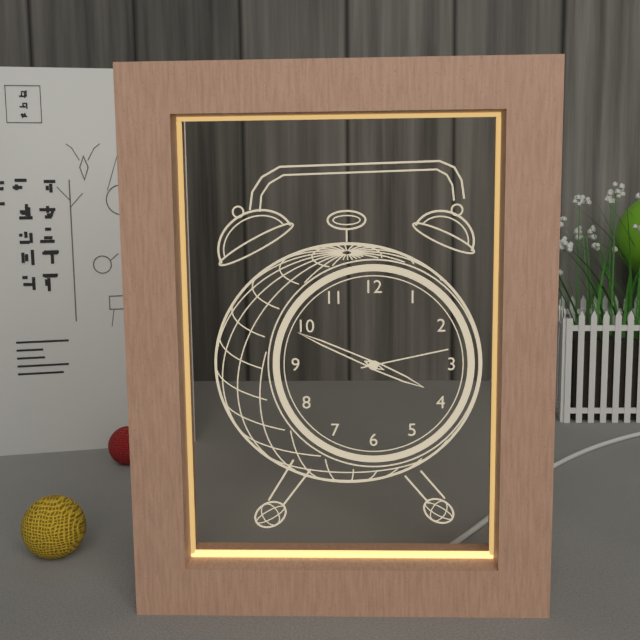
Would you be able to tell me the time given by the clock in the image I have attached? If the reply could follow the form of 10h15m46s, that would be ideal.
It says 3h49m13s
